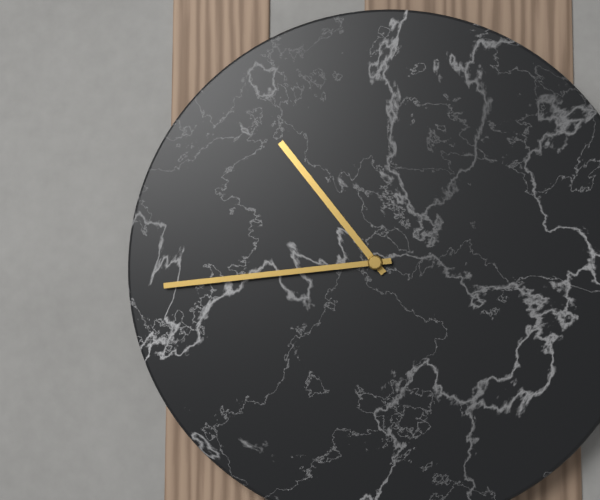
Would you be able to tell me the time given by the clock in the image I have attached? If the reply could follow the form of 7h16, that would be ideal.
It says 10h44
